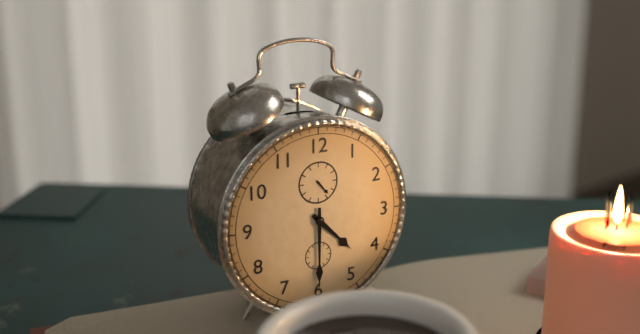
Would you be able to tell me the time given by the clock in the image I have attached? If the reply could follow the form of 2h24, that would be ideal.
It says 4h30
